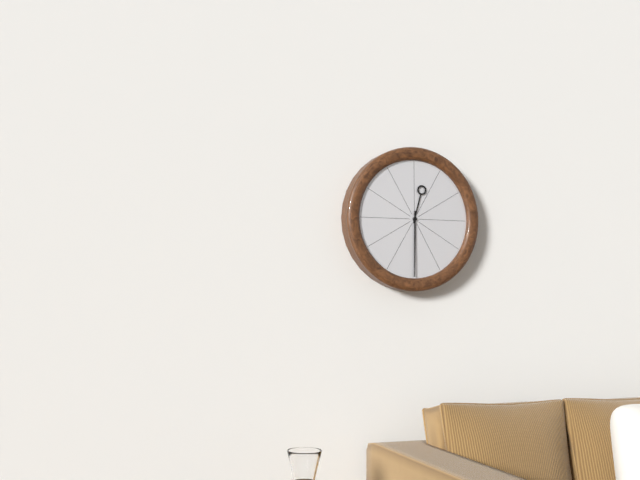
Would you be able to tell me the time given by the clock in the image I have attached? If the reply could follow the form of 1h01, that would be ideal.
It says 12h30
